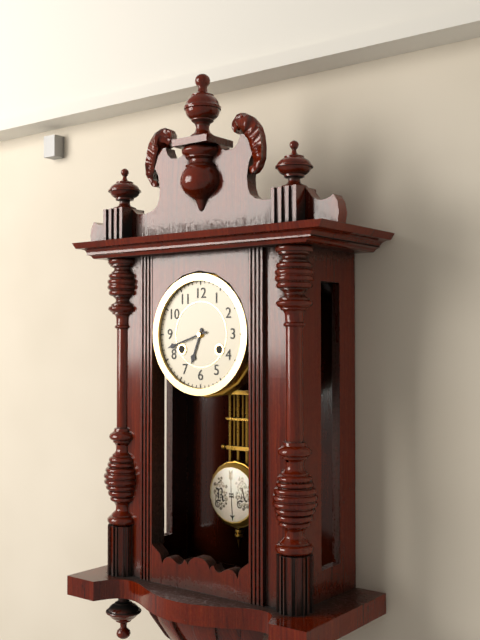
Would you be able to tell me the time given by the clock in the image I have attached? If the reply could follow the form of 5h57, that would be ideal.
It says 6h42
